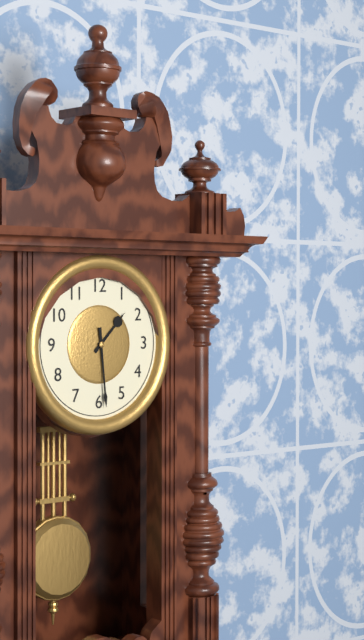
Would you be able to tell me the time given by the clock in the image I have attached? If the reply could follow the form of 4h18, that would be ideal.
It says 1h29
